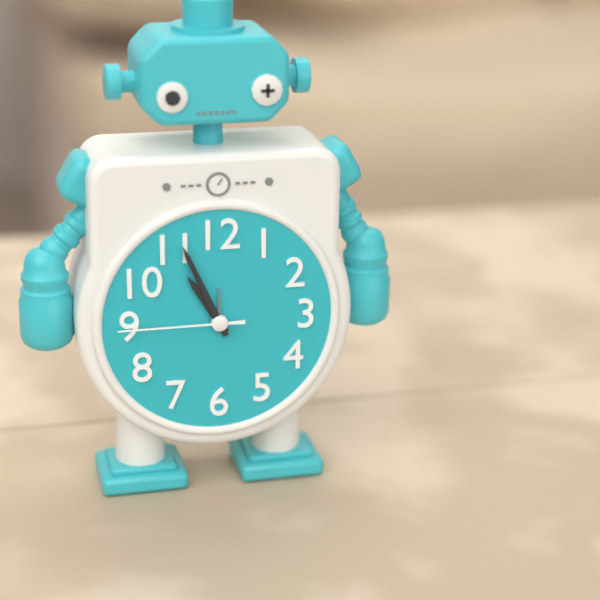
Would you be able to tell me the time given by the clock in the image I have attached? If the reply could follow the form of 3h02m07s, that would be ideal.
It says 10h56m45s
